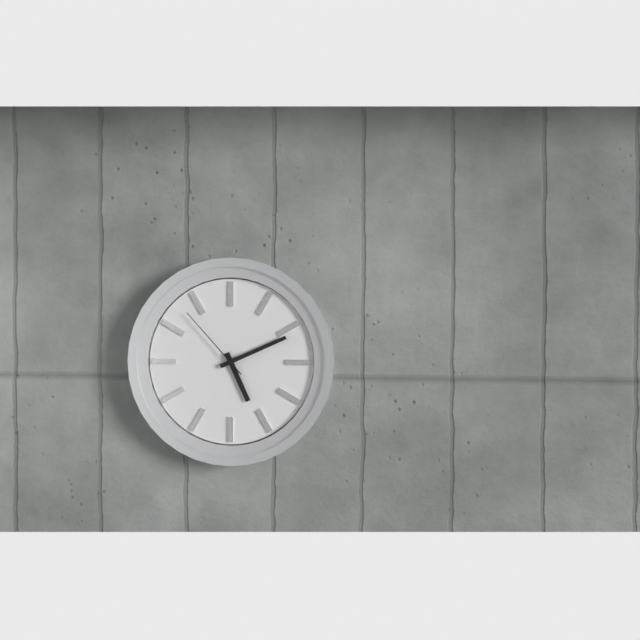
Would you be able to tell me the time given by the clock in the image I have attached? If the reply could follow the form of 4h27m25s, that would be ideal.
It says 5h11m53s
